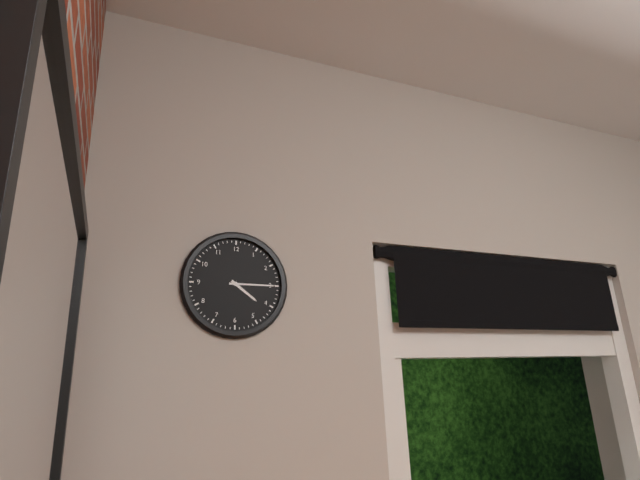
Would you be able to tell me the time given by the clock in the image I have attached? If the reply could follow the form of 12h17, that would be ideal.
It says 4h15
